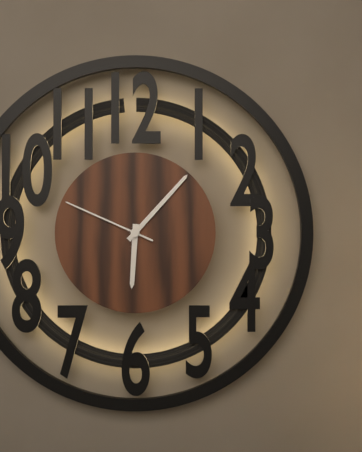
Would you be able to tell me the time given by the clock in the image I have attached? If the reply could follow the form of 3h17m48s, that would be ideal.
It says 6h07m49s
